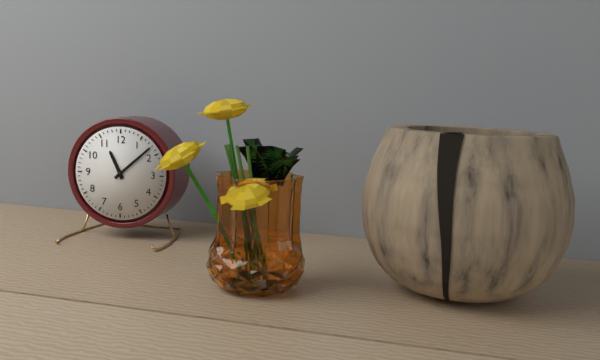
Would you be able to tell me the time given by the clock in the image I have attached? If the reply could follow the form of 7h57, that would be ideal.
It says 11h08
